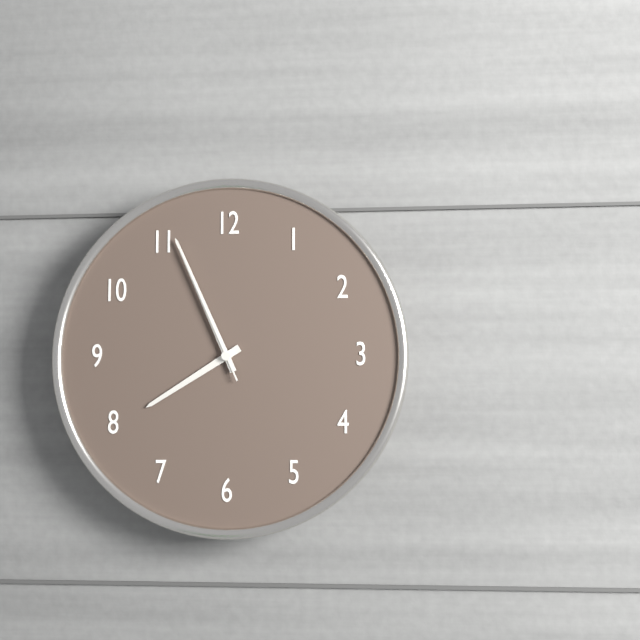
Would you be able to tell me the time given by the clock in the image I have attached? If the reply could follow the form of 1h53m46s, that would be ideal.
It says 7h56m56s
